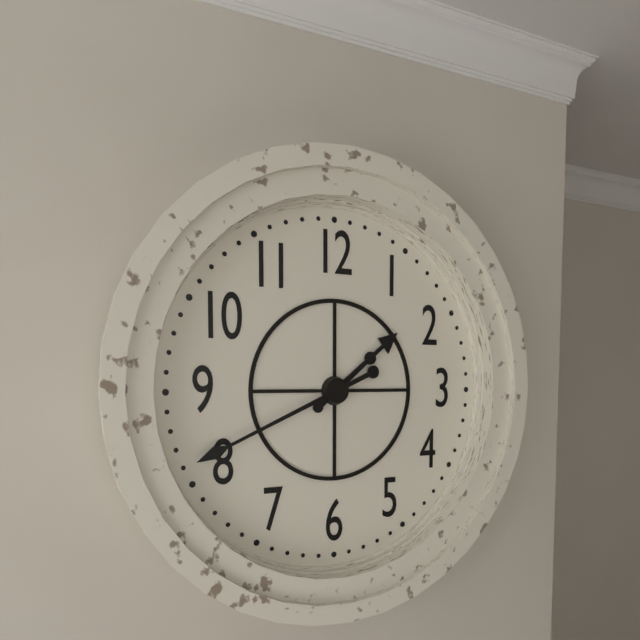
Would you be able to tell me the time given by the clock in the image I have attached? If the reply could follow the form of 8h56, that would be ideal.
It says 1h41
